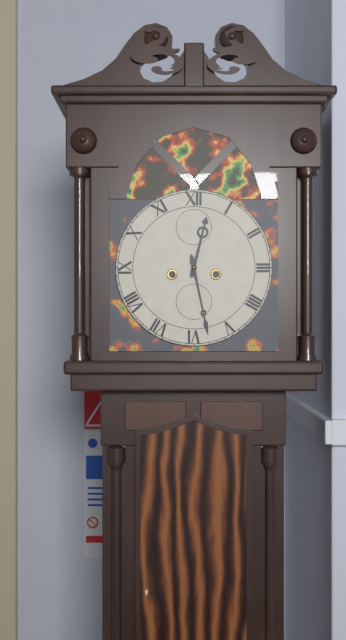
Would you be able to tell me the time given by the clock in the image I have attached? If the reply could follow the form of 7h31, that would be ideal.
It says 12h28
